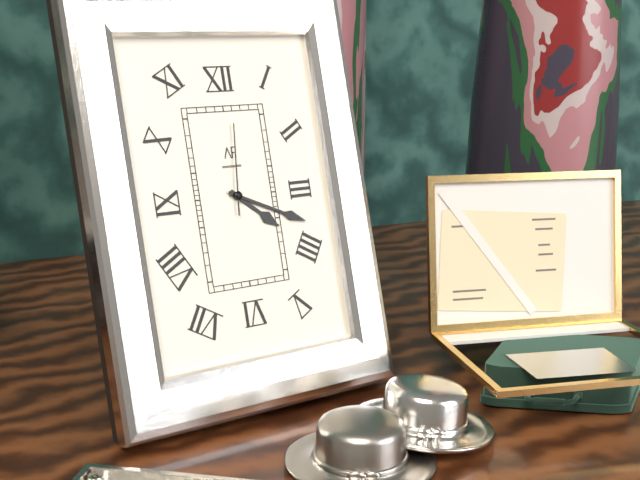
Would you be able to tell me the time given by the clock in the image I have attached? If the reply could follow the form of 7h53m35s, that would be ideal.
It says 4h19m01s
